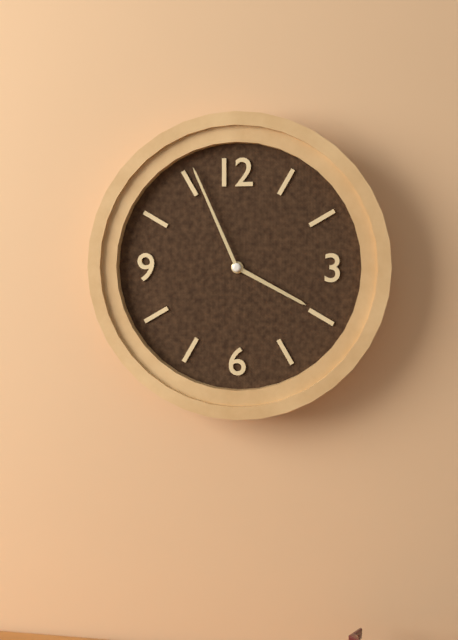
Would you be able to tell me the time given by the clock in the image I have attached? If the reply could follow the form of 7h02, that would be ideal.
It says 3h56
